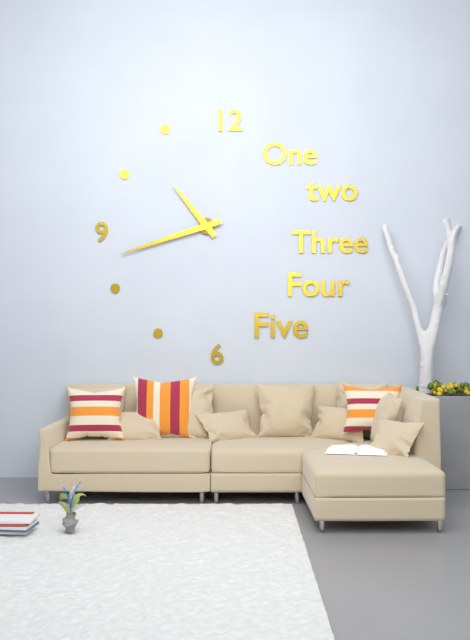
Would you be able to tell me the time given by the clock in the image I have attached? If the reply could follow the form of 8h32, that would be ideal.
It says 10h42
